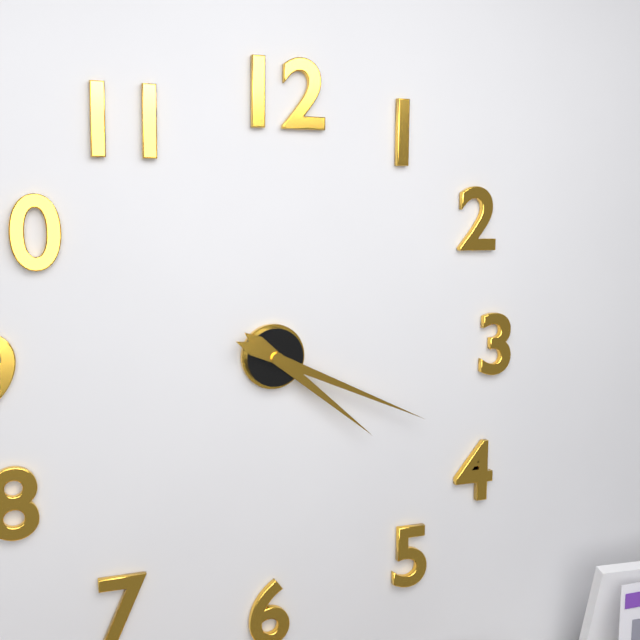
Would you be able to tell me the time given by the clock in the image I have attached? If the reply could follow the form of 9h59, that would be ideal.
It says 4h19
